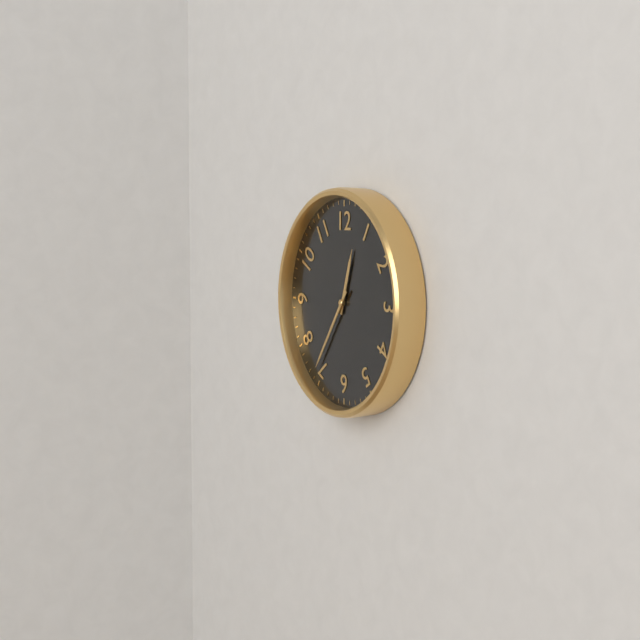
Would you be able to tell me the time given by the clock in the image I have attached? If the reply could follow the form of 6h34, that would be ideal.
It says 12h36
